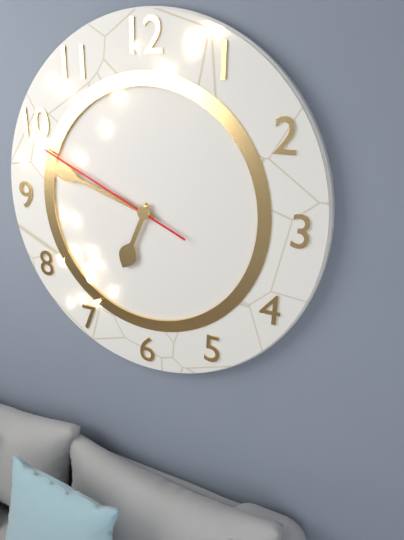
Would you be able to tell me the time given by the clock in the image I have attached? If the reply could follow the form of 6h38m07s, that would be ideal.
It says 6h48m49s
